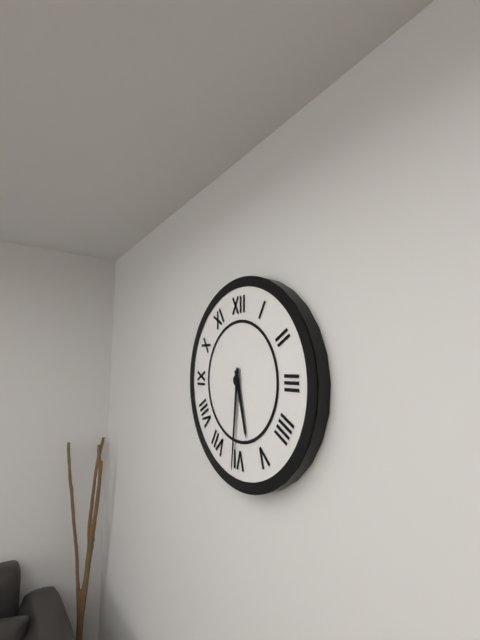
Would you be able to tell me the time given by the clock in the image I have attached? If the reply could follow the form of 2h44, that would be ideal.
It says 5h31
